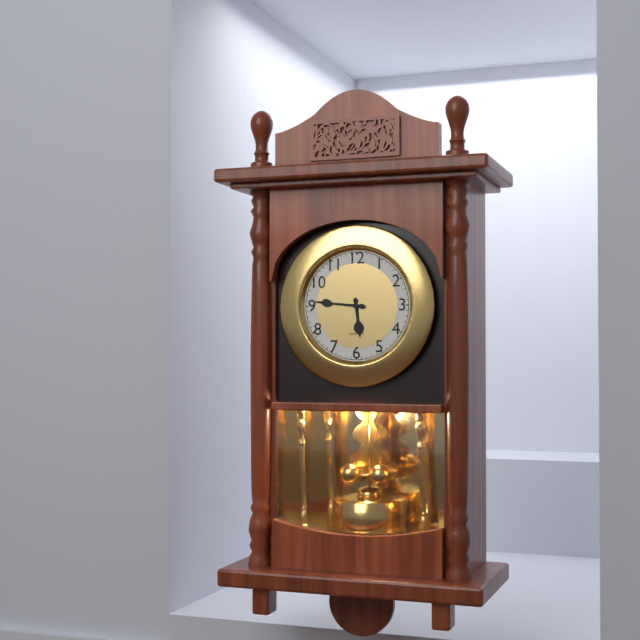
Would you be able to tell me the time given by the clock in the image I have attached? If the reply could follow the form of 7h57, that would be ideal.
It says 5h46
